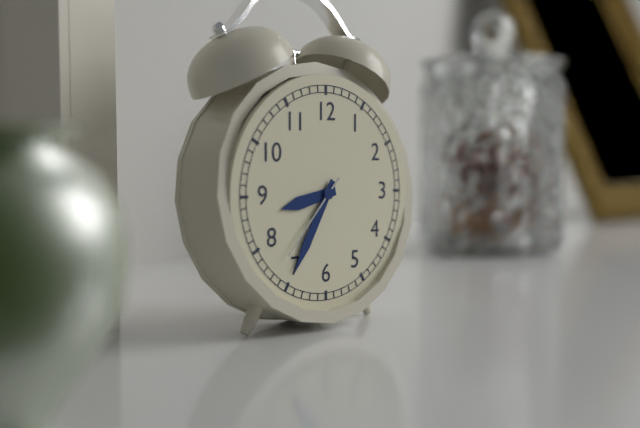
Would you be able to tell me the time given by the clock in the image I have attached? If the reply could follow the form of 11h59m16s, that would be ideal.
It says 8h35m37s
